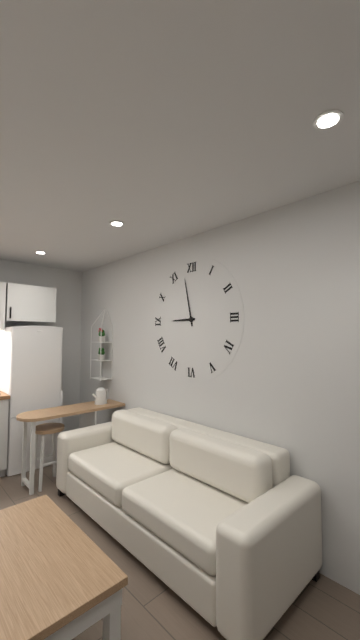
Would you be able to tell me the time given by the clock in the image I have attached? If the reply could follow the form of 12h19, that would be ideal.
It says 8h58
